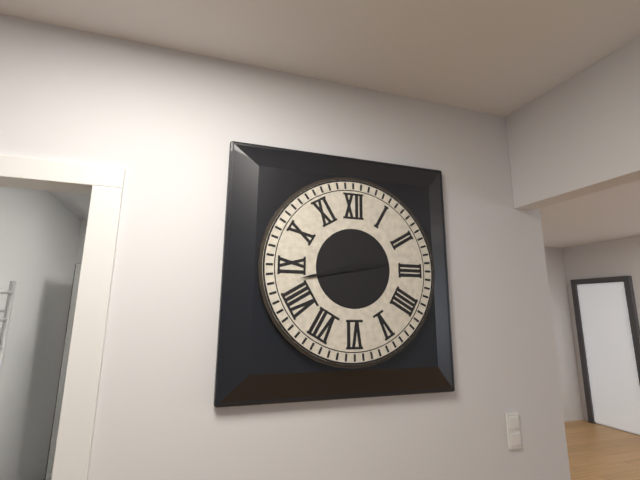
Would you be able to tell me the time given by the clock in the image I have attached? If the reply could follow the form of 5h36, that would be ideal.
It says 2h43
